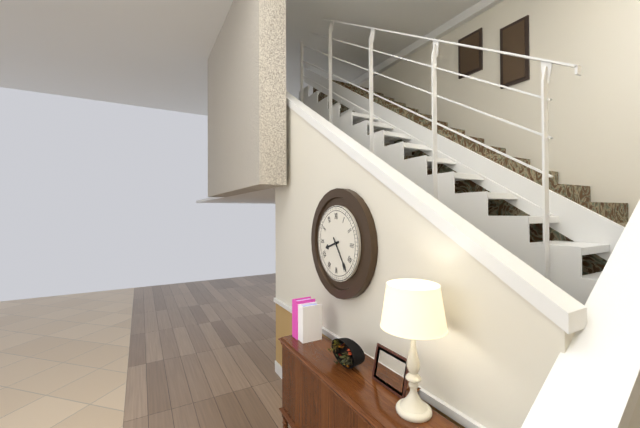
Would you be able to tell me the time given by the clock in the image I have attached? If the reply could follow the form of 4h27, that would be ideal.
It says 8h24
